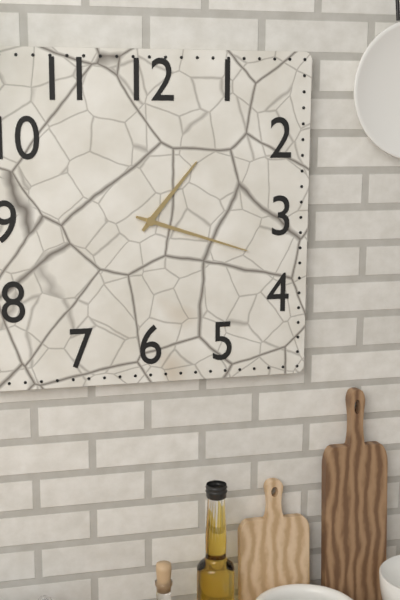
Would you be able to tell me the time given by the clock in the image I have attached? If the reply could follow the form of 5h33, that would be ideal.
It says 1h18
